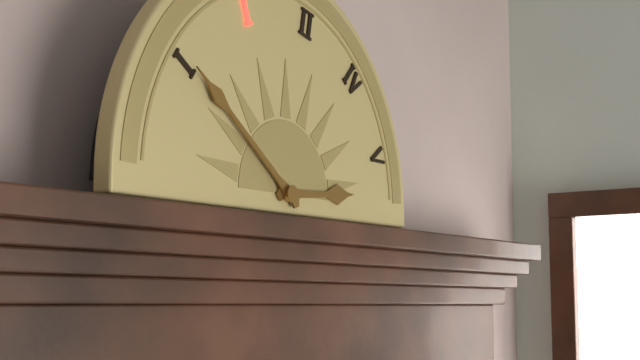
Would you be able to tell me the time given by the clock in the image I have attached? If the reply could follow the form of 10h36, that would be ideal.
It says 2h51
